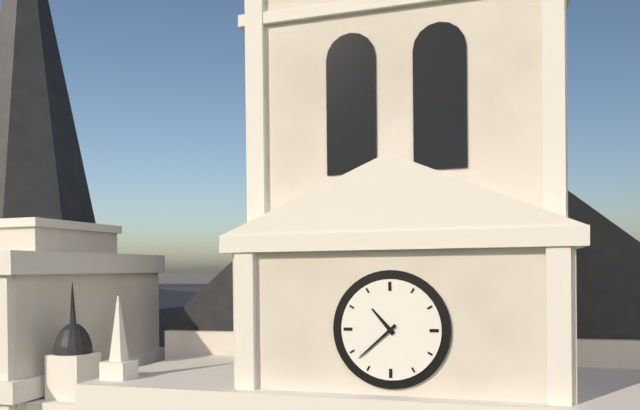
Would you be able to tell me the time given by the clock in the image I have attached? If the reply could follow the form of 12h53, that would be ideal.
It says 10h38
